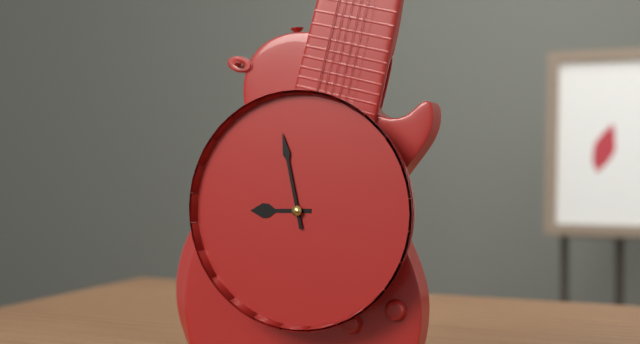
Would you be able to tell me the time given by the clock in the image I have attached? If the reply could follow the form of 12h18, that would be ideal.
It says 8h58
